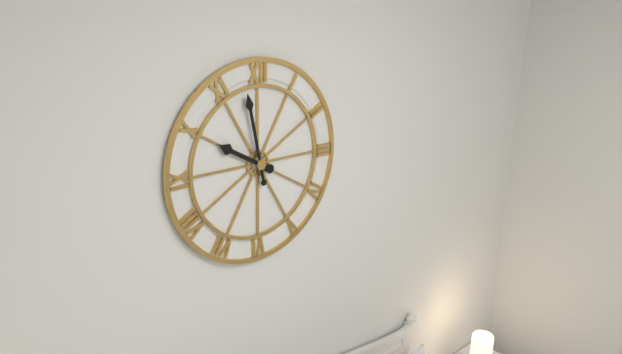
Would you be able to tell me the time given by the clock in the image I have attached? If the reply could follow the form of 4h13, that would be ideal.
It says 9h58
